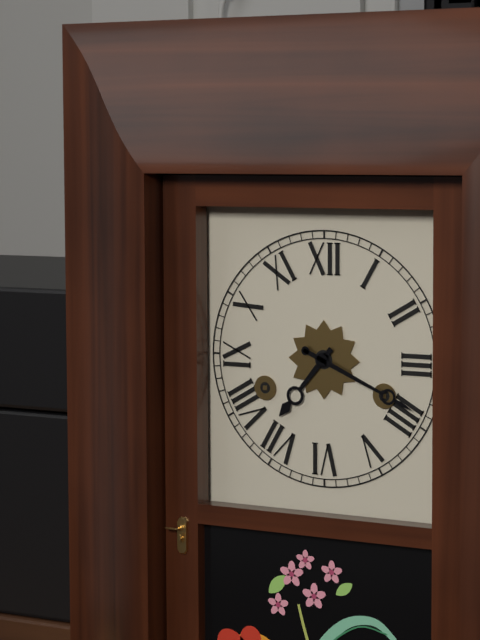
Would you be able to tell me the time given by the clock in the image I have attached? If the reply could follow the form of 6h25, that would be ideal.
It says 7h19
